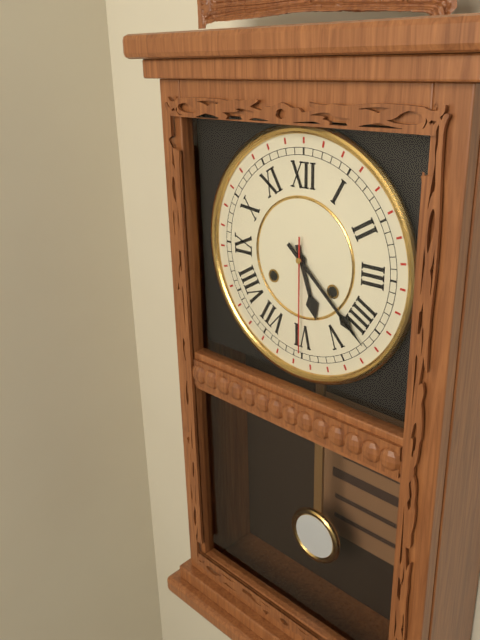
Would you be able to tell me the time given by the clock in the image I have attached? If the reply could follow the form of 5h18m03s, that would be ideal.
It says 5h22m30s
